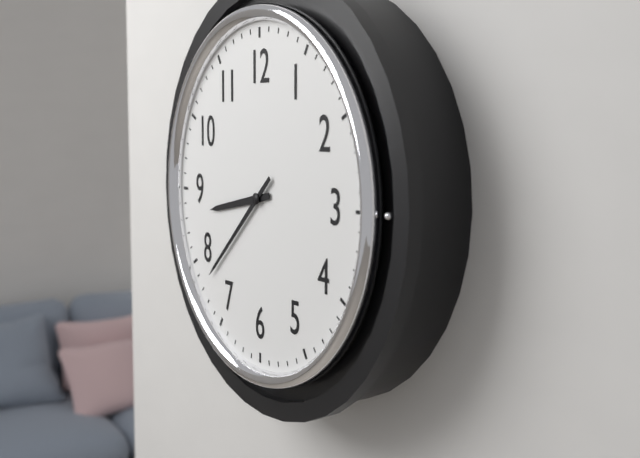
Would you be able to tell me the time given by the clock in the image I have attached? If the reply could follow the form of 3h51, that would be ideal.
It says 8h38
